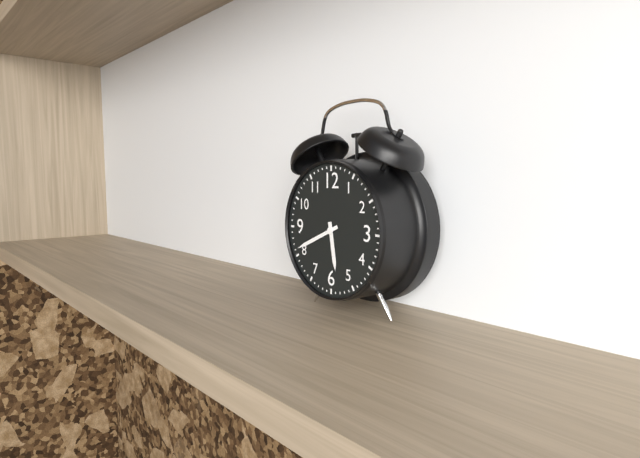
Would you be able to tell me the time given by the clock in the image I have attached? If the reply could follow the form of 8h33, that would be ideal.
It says 5h41
